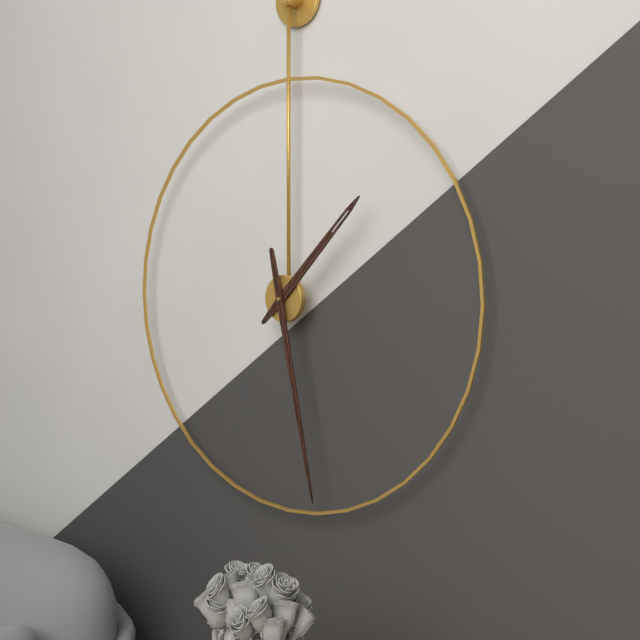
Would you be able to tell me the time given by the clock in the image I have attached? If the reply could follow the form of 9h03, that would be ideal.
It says 1h28
